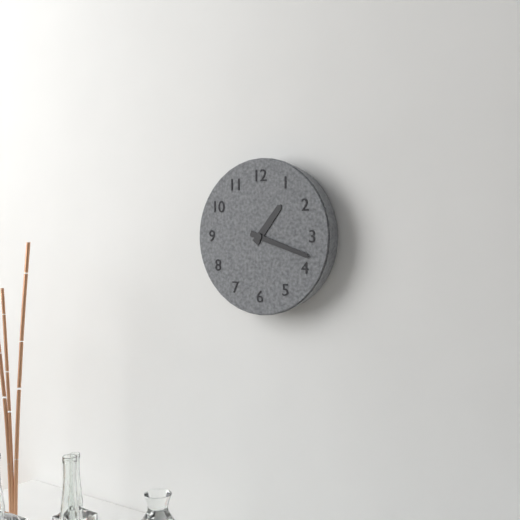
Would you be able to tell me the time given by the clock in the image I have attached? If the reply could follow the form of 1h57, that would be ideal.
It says 1h18
